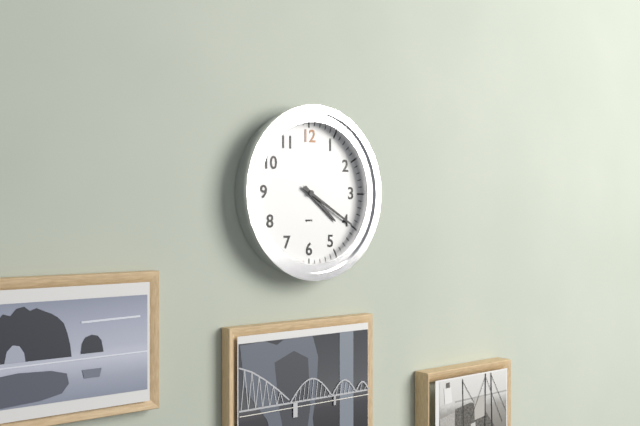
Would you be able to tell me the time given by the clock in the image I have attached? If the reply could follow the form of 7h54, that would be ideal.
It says 4h20
